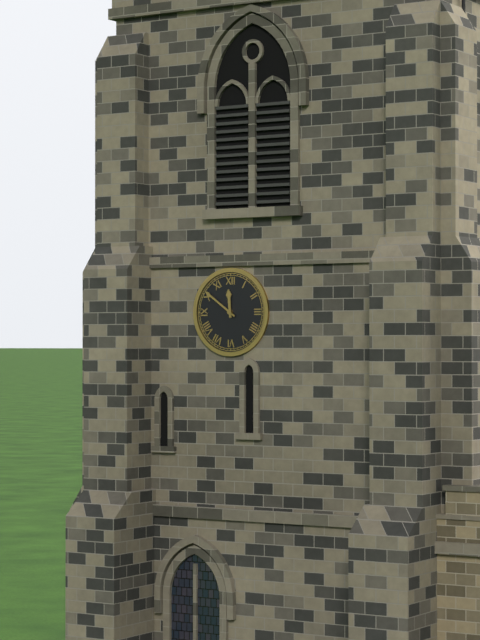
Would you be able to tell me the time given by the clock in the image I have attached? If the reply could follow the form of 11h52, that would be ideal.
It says 11h51
